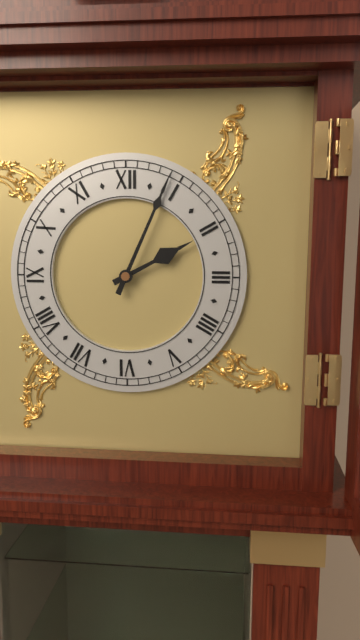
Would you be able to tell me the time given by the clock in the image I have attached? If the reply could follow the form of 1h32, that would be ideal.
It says 2h04
